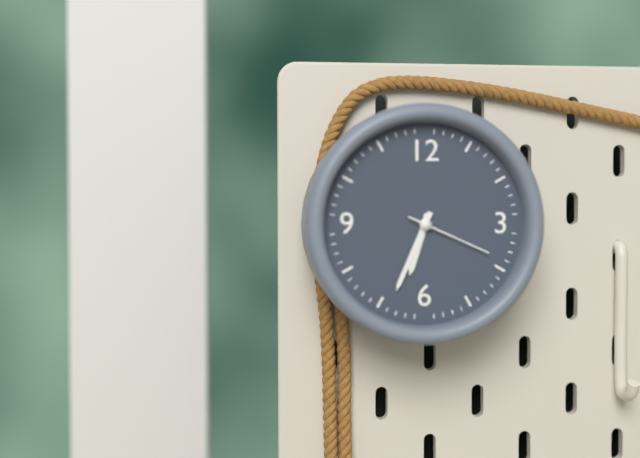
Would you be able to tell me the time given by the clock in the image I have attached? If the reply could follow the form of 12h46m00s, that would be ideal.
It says 6h34m19s
